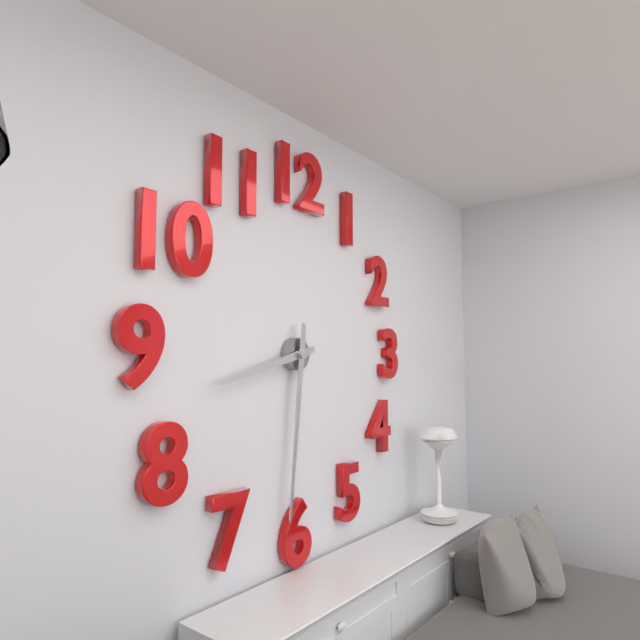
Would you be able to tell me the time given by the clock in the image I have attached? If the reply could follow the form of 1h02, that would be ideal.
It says 8h31
